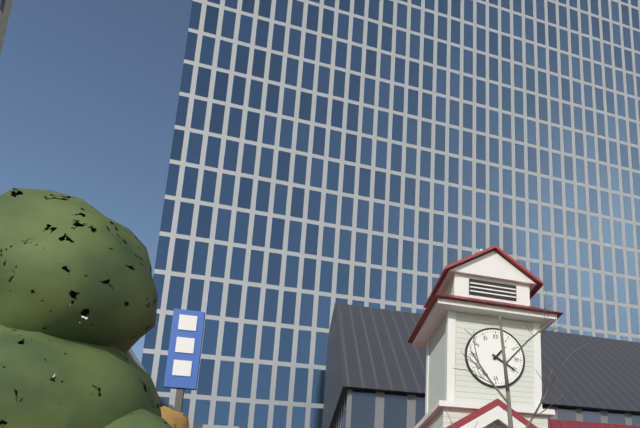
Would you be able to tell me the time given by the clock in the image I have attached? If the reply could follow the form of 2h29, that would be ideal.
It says 1h20
